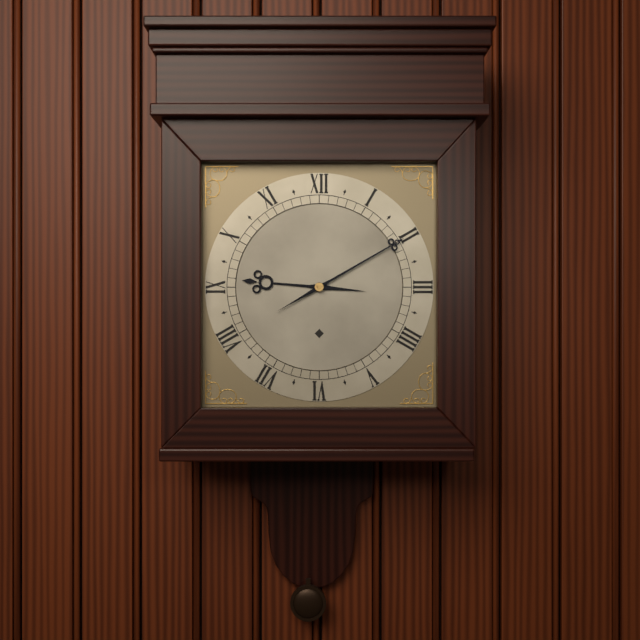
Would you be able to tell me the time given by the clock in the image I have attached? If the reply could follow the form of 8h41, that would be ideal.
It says 9h10
